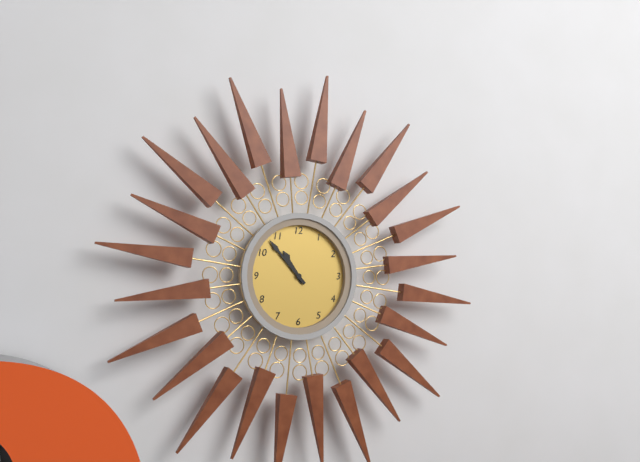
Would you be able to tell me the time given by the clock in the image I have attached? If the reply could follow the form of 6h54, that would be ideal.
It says 10h53
